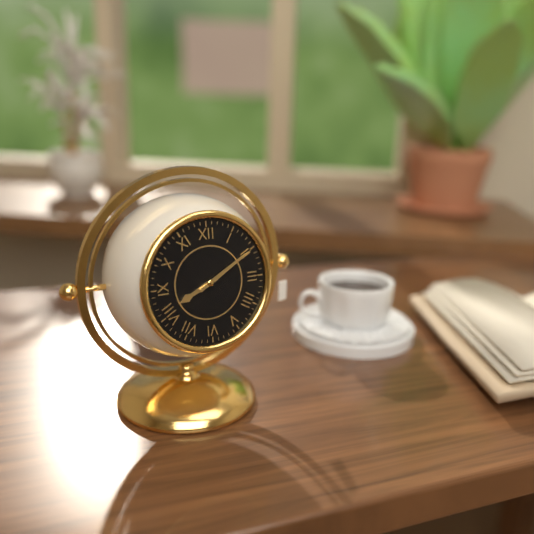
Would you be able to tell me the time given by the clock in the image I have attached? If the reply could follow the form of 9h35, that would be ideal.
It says 8h10
